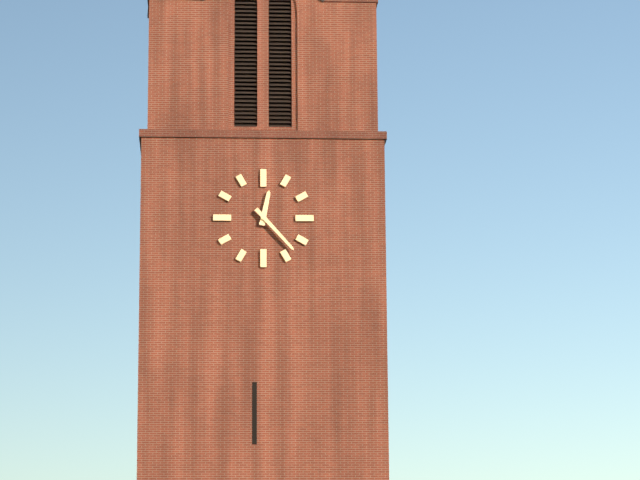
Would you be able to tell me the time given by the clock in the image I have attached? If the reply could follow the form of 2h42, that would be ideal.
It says 12h23
